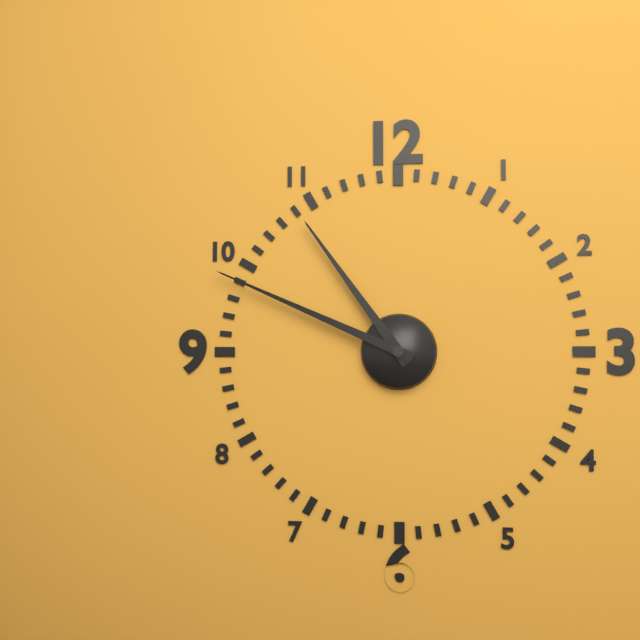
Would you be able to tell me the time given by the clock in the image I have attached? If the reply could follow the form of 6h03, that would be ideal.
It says 10h49
